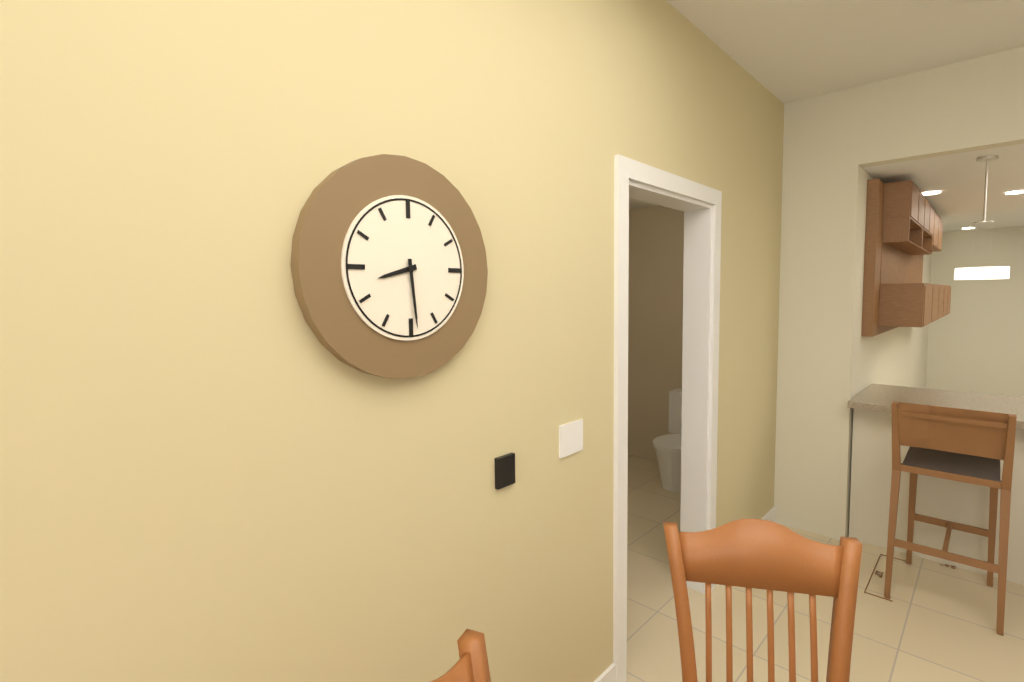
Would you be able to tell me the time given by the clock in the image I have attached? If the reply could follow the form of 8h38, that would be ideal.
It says 8h29
